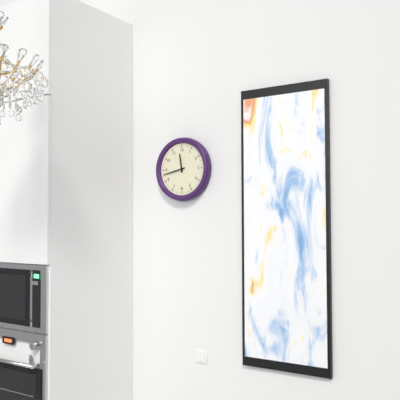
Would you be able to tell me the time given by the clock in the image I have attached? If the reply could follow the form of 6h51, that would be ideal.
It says 11h43
